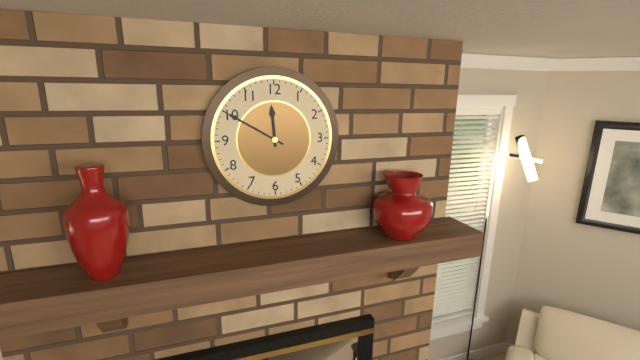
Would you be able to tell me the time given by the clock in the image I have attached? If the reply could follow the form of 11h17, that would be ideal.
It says 11h50
